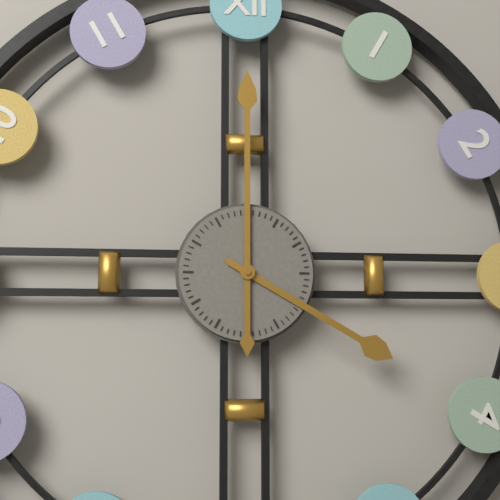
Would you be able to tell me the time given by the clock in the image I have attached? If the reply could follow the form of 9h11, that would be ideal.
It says 4h00
